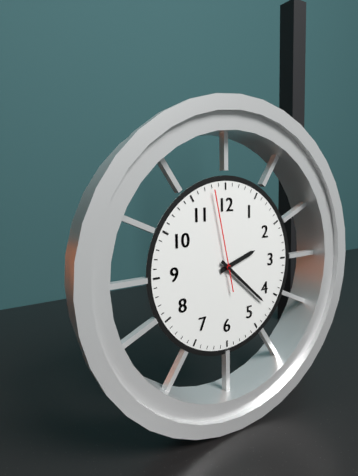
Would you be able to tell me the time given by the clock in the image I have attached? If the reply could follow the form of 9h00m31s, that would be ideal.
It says 2h22m58s
